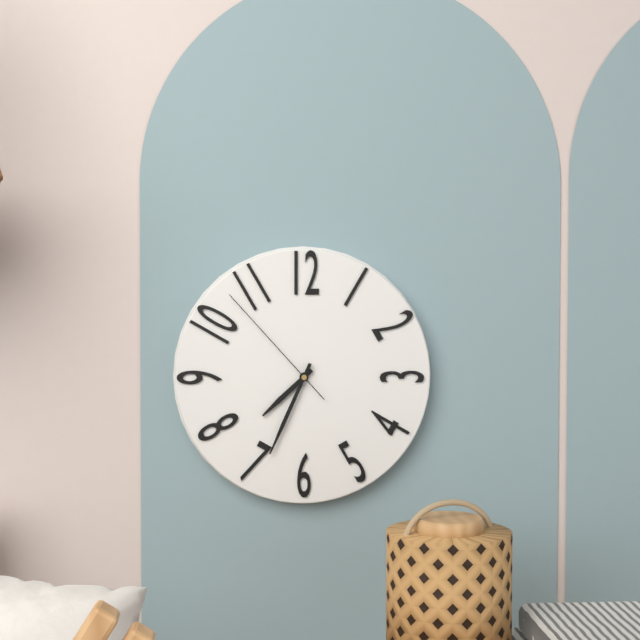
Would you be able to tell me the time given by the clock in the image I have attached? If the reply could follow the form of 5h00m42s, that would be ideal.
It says 7h34m53s
